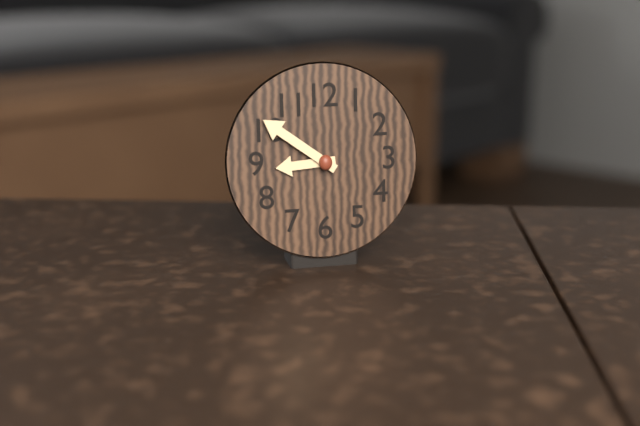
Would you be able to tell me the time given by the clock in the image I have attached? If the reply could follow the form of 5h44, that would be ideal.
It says 8h51
